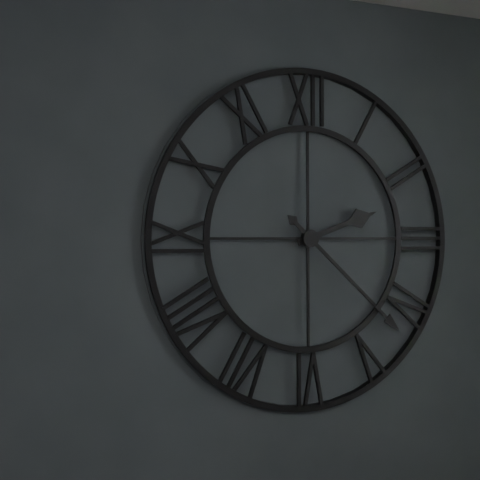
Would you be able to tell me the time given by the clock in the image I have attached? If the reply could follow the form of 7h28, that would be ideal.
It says 2h22
